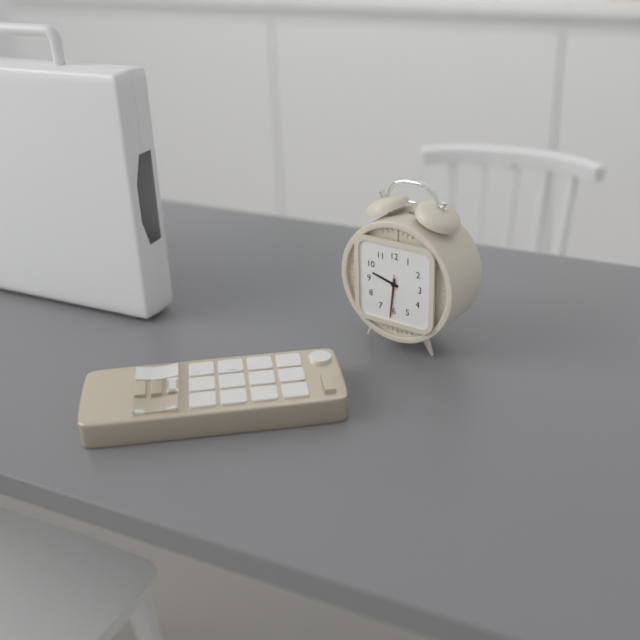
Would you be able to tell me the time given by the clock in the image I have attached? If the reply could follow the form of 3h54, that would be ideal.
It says 9h31
